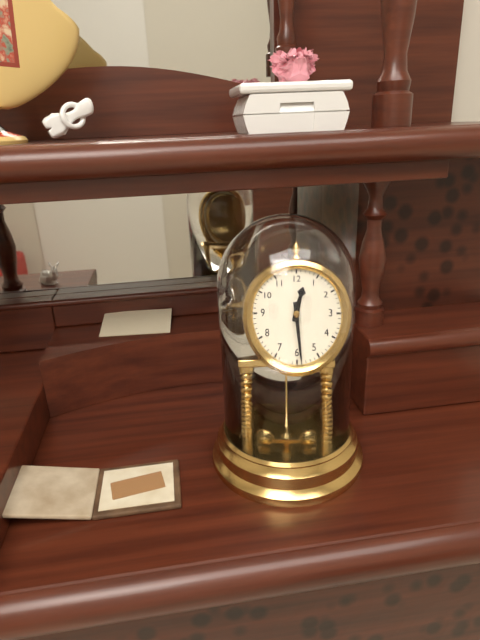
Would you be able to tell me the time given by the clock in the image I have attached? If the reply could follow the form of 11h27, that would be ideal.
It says 12h29
